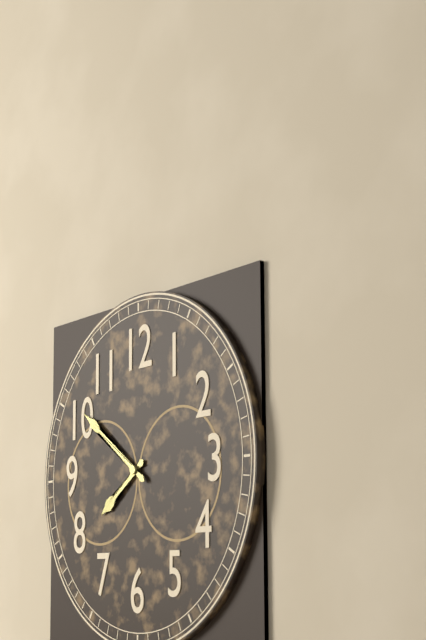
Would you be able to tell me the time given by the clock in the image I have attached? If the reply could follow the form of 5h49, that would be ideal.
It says 7h51
